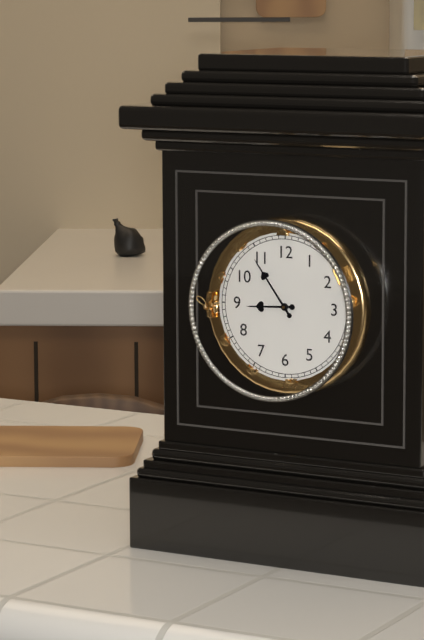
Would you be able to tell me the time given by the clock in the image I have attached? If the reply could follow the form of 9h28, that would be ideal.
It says 8h54
